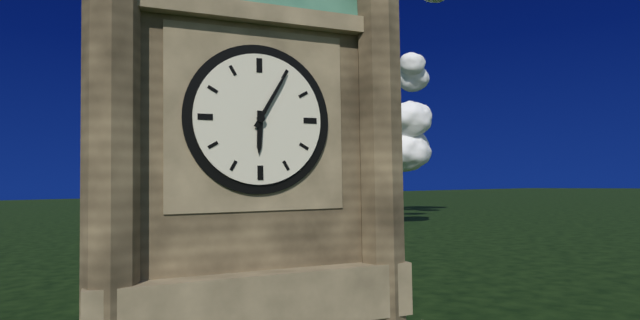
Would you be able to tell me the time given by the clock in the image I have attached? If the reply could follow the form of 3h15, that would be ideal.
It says 6h05
